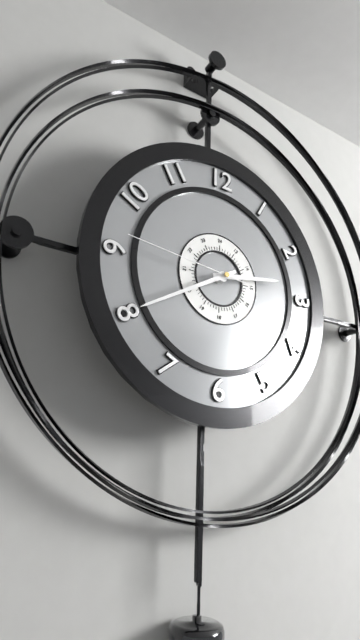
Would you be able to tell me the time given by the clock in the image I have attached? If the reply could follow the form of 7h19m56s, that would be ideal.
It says 2h40m46s
